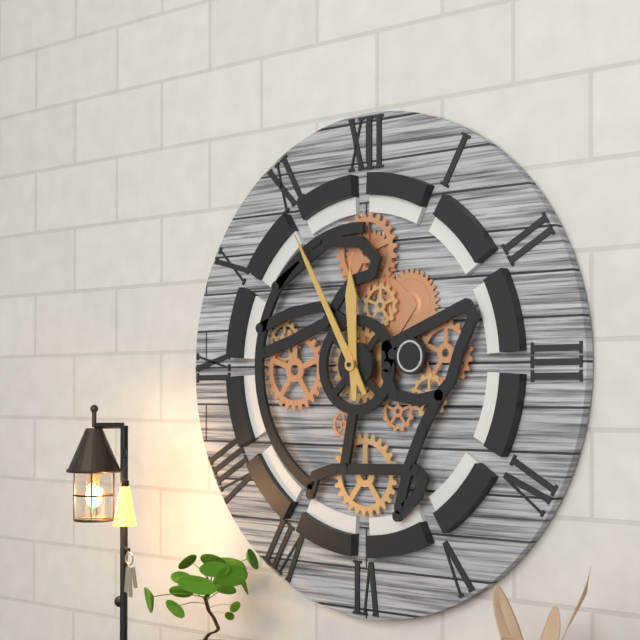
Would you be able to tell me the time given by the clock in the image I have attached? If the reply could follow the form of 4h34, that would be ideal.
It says 11h55
